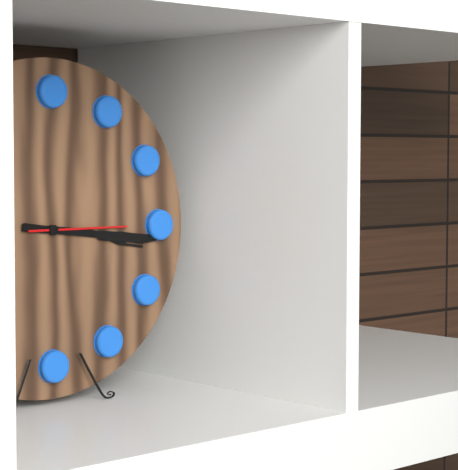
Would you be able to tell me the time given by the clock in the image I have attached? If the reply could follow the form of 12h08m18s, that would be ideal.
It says 3h16m15s
